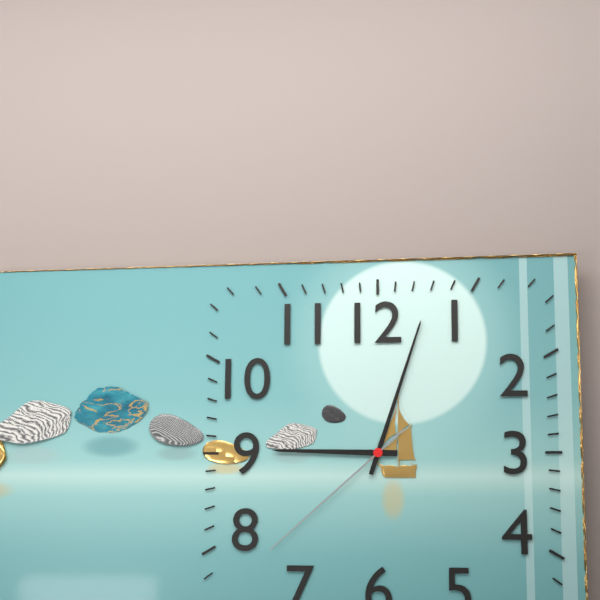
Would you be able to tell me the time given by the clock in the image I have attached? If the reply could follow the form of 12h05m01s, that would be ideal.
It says 9h03m38s
